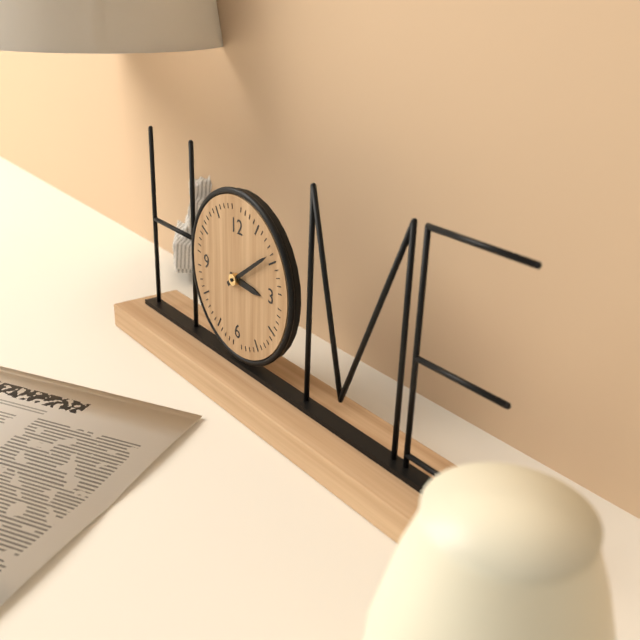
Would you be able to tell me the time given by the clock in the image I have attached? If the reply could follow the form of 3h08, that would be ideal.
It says 3h09
